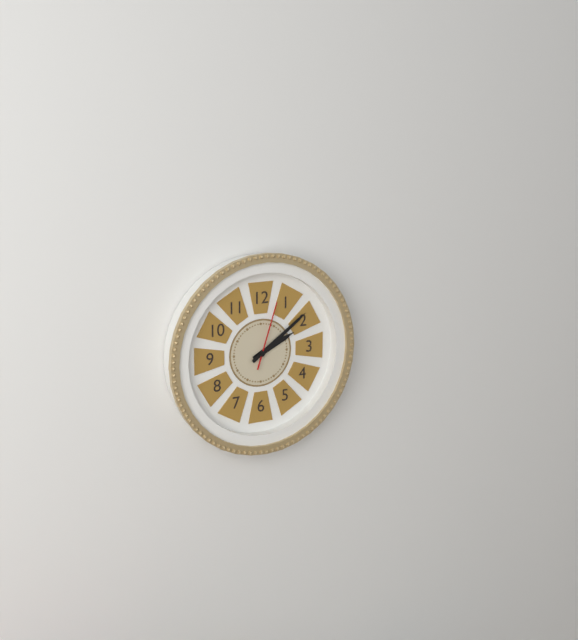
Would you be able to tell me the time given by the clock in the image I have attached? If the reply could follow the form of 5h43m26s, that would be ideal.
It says 2h09m03s
